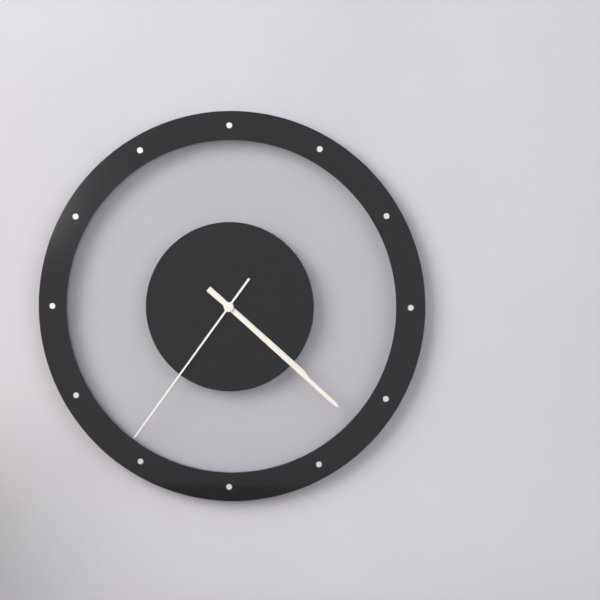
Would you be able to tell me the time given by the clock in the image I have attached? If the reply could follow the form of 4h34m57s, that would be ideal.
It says 4h22m36s
